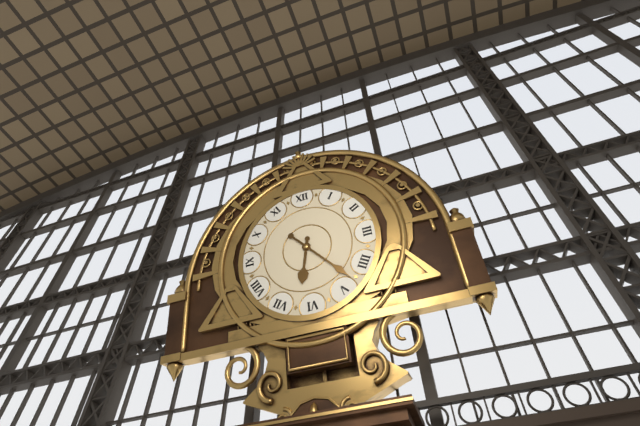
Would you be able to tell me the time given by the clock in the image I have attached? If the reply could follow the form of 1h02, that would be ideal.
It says 6h23
